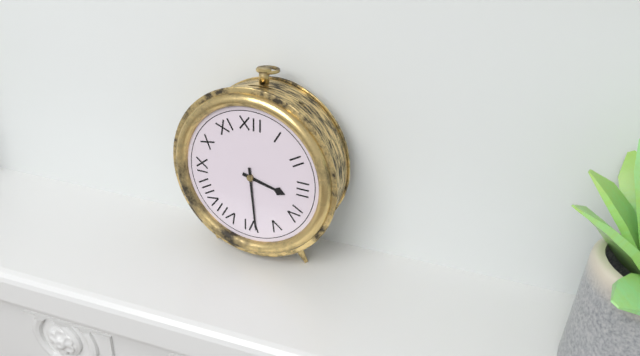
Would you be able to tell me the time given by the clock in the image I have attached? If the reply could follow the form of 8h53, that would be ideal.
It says 3h29
